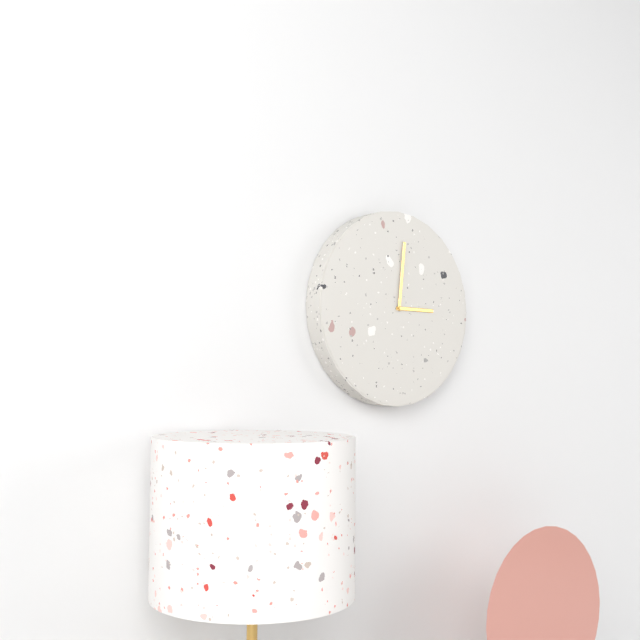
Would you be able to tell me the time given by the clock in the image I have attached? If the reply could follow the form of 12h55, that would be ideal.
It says 3h01
